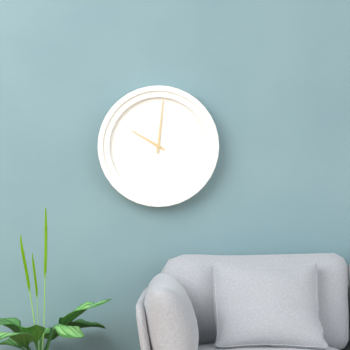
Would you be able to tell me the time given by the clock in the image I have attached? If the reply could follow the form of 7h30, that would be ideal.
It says 10h01
